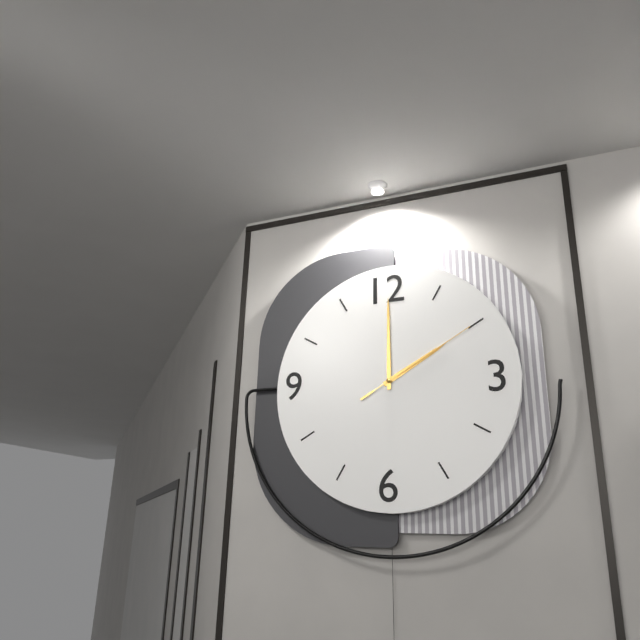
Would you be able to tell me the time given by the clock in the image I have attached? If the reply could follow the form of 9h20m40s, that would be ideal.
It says 2h00m10s
